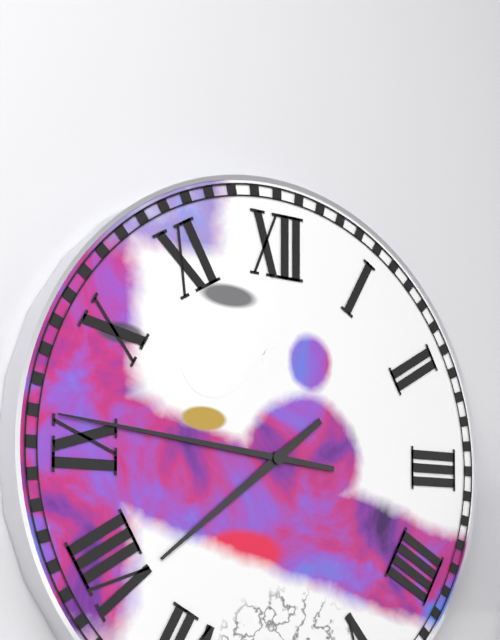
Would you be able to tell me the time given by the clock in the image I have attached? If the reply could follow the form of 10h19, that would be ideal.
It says 7h46
